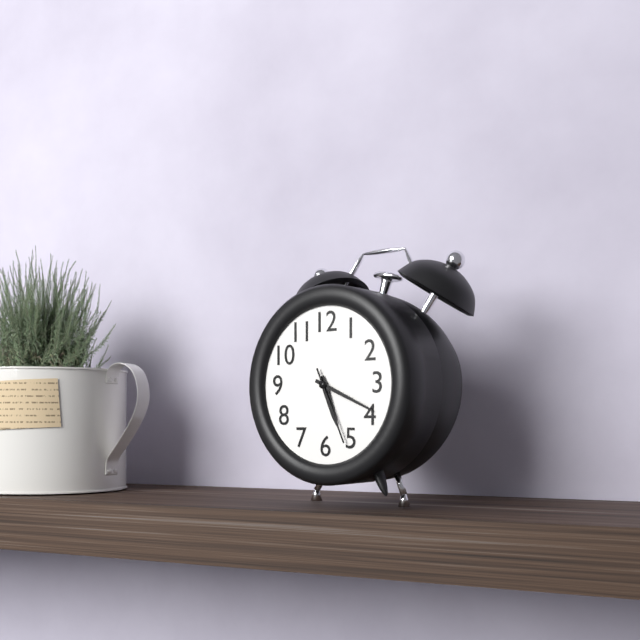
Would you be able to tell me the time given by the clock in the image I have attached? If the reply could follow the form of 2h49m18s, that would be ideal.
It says 5h19m26s
